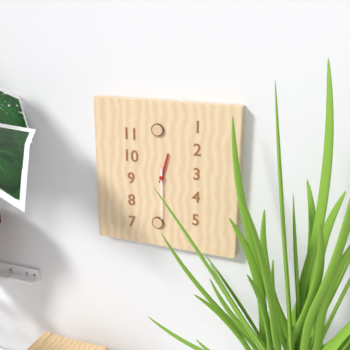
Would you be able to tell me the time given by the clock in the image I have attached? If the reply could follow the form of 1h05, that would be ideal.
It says 12h30
